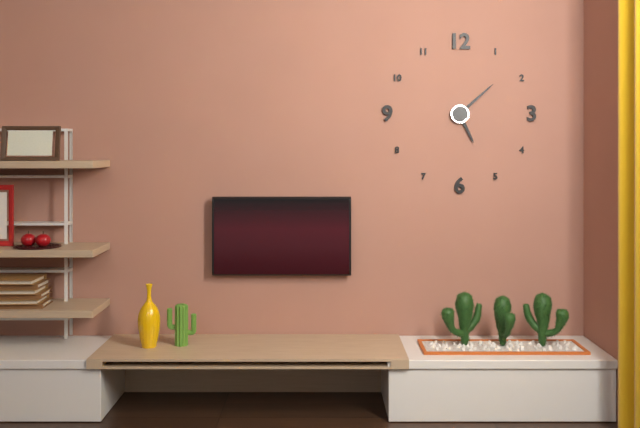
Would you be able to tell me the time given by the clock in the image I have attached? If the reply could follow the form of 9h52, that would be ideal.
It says 5h08
